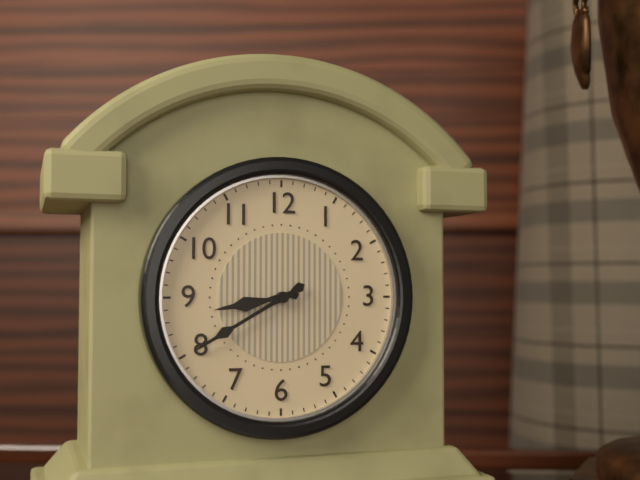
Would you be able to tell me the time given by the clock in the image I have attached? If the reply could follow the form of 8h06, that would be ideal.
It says 8h40
